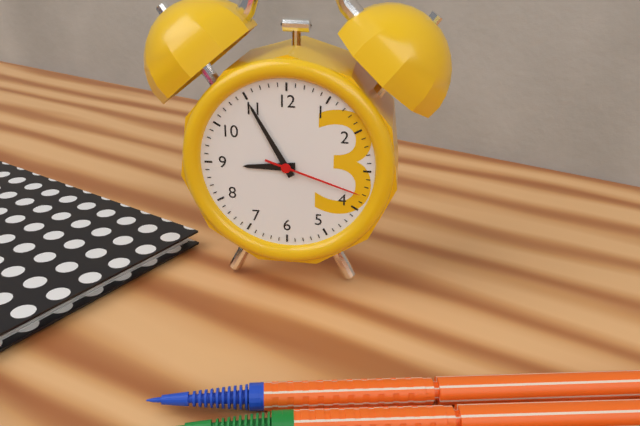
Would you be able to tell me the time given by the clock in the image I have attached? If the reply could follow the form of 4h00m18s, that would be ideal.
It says 8h55m18s
